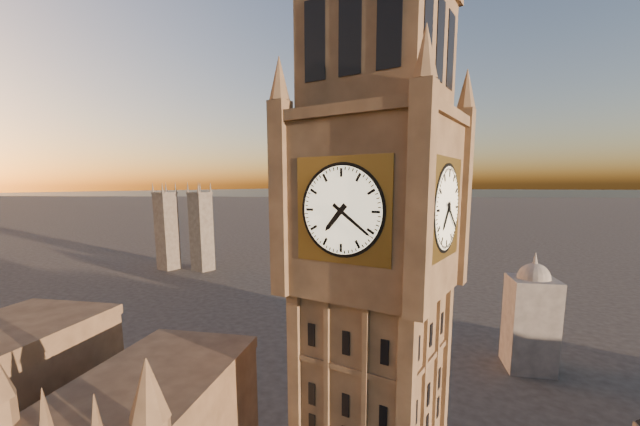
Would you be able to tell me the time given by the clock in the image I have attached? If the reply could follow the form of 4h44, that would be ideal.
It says 7h21
